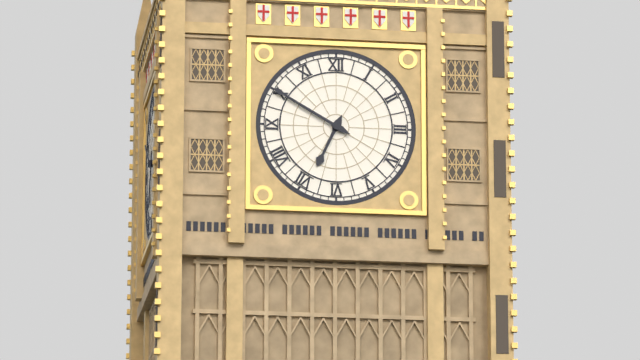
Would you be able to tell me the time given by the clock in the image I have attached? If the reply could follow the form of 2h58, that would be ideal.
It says 6h50
